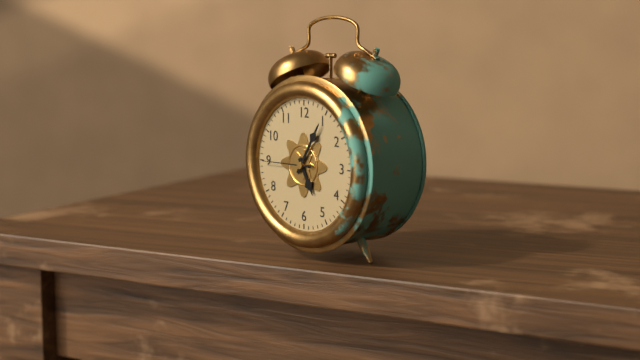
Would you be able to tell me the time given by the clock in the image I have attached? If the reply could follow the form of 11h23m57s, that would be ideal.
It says 5h05m45s
